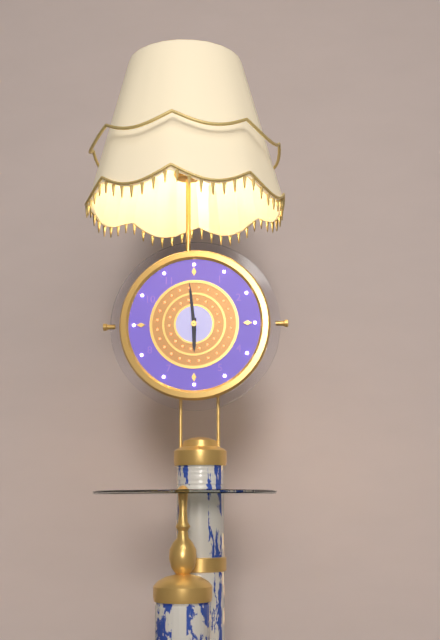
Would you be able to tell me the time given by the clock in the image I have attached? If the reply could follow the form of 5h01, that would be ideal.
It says 5h59
